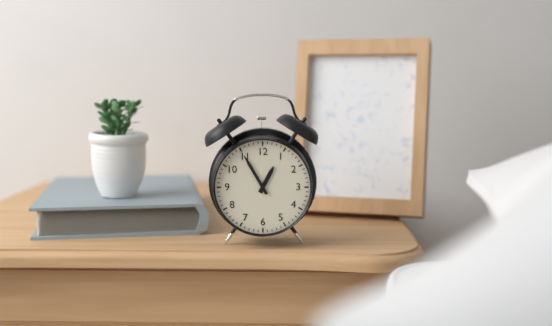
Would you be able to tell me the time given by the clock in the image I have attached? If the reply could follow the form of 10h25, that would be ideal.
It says 12h55
